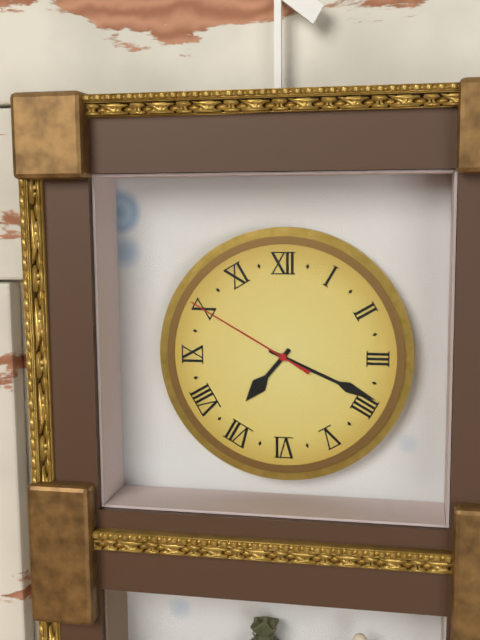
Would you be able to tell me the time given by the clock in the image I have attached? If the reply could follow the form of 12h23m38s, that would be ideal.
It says 7h19m50s
